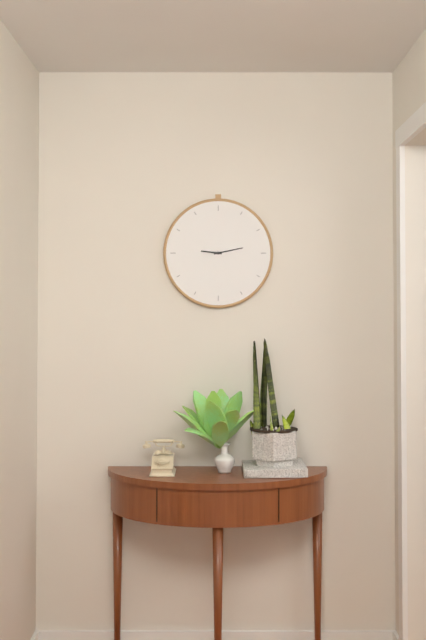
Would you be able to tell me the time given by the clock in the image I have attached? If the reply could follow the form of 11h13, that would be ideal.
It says 9h13
